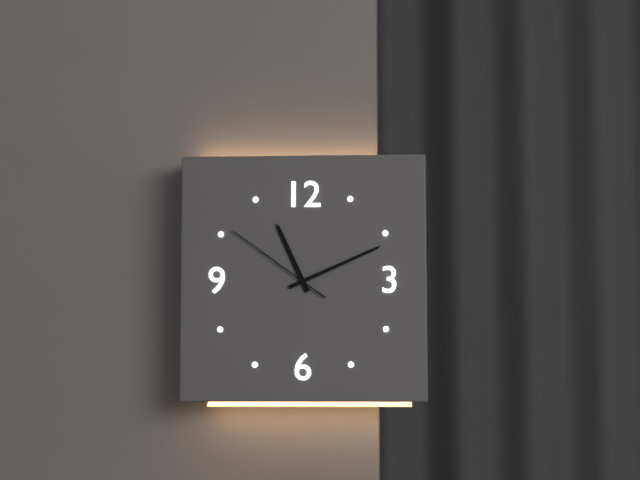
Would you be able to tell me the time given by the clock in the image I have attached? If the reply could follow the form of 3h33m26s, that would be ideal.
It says 11h11m51s
